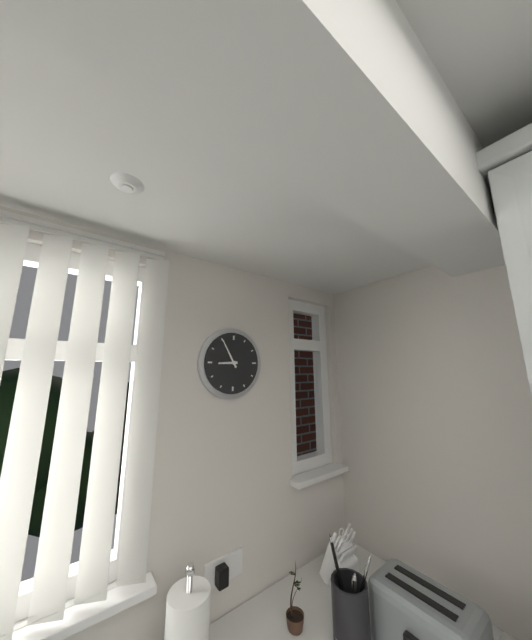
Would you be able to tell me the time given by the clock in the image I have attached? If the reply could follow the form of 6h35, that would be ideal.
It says 8h55
